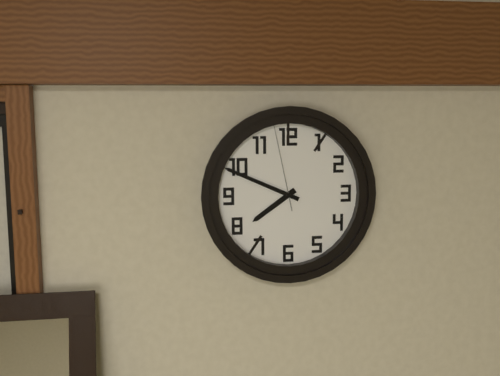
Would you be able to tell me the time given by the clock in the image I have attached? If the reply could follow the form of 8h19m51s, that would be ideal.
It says 7h49m58s
